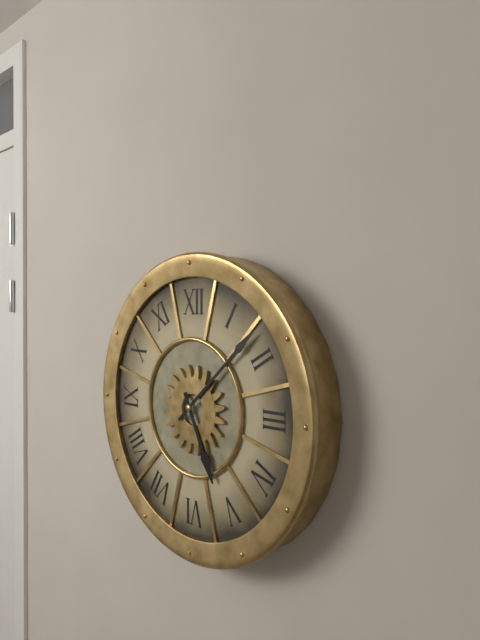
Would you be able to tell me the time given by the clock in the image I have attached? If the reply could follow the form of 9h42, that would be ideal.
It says 5h08
